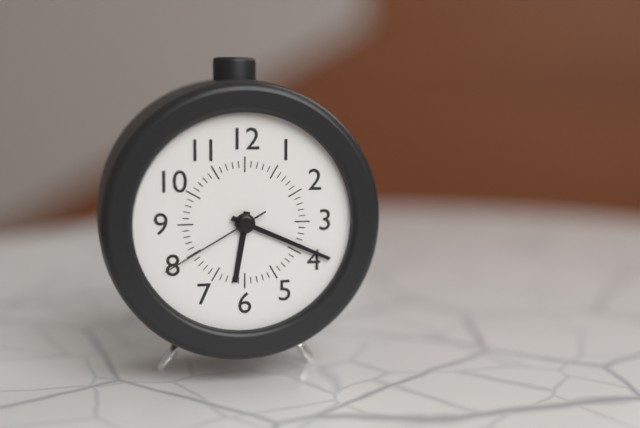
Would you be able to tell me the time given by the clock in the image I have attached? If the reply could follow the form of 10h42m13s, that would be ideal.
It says 6h19m40s
